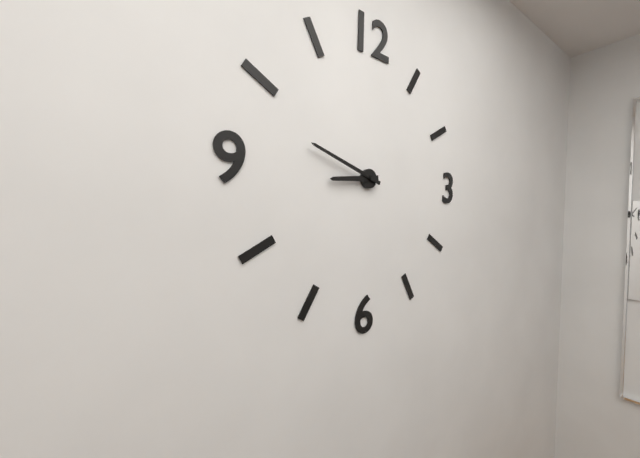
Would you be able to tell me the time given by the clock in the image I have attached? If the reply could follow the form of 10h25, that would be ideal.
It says 8h48
